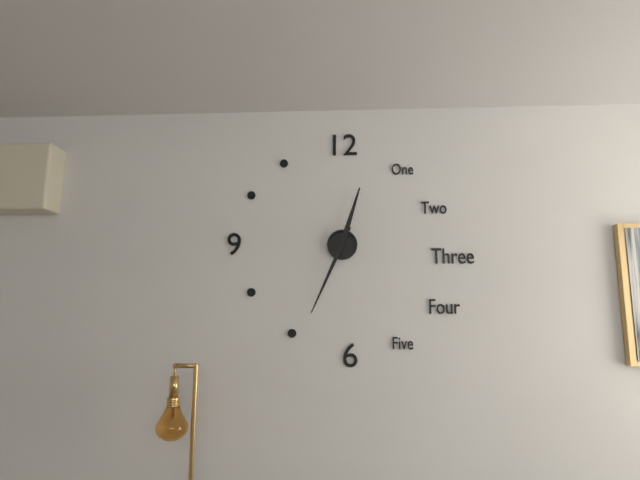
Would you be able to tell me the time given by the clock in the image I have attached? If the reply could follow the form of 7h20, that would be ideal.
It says 12h34
